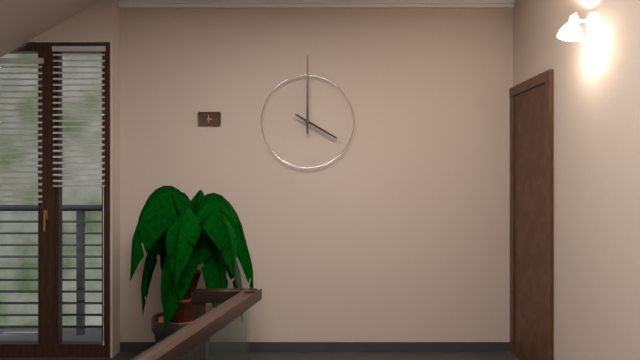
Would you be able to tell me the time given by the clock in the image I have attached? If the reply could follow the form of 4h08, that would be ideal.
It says 4h00
